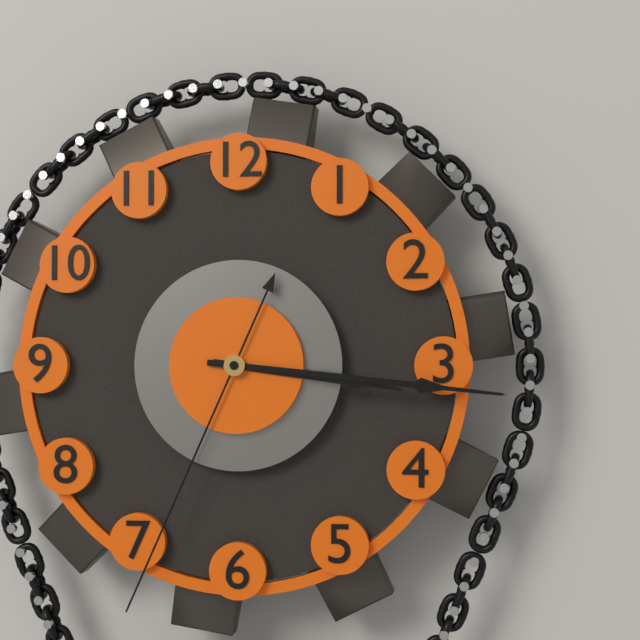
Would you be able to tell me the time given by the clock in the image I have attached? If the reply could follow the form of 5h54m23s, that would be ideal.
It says 3h16m34s
